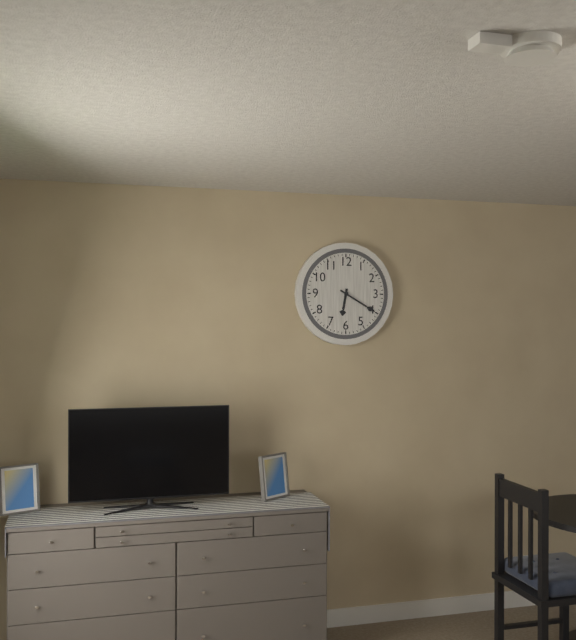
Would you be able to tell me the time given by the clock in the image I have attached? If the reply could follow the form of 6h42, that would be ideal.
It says 6h20
